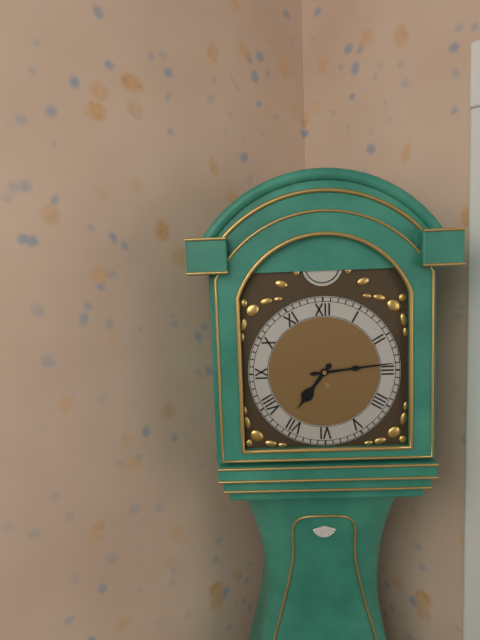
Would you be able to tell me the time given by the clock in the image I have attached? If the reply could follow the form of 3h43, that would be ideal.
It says 7h14
